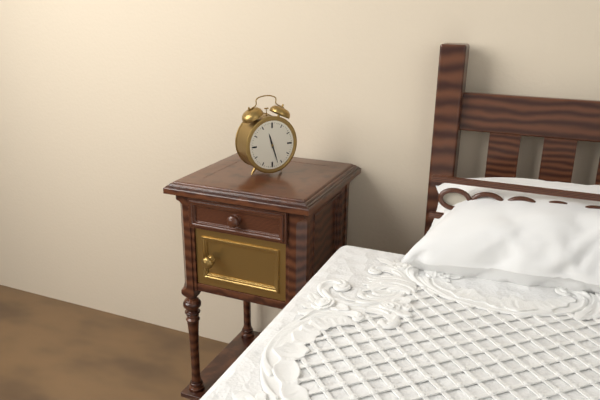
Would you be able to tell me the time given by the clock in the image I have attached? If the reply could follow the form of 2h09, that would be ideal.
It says 11h27
